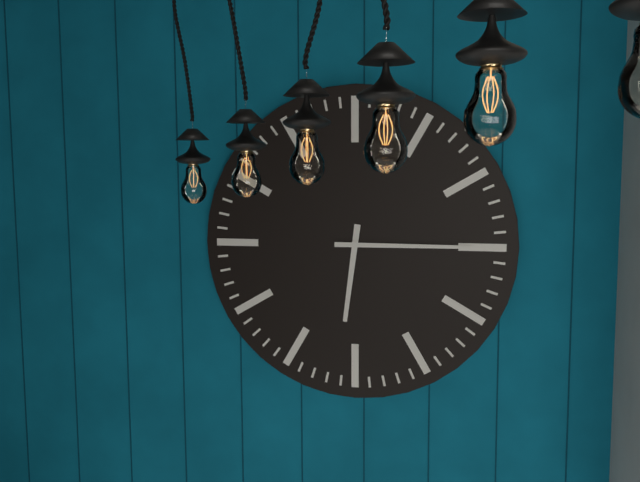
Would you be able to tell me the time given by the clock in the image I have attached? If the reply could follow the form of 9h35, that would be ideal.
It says 6h15
